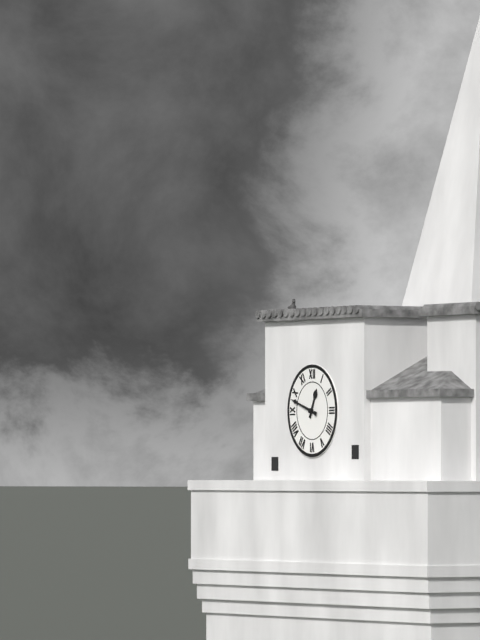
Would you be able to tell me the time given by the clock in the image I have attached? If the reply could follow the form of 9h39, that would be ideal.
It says 12h48
